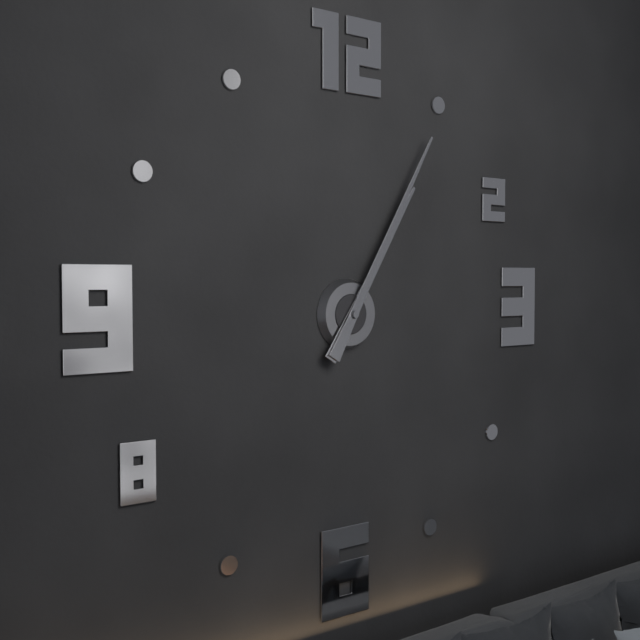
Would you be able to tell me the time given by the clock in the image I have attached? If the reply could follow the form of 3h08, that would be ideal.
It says 1h05
